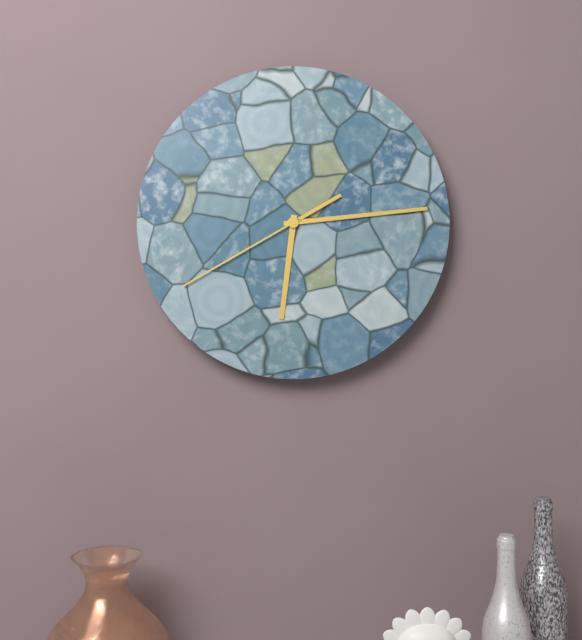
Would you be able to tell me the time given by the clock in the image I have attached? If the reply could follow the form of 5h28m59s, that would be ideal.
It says 6h14m40s
